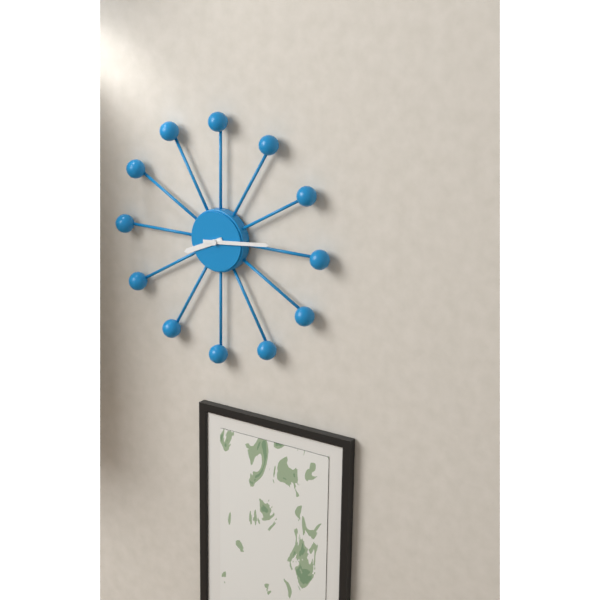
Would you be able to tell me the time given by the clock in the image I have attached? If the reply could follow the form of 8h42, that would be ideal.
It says 8h14
